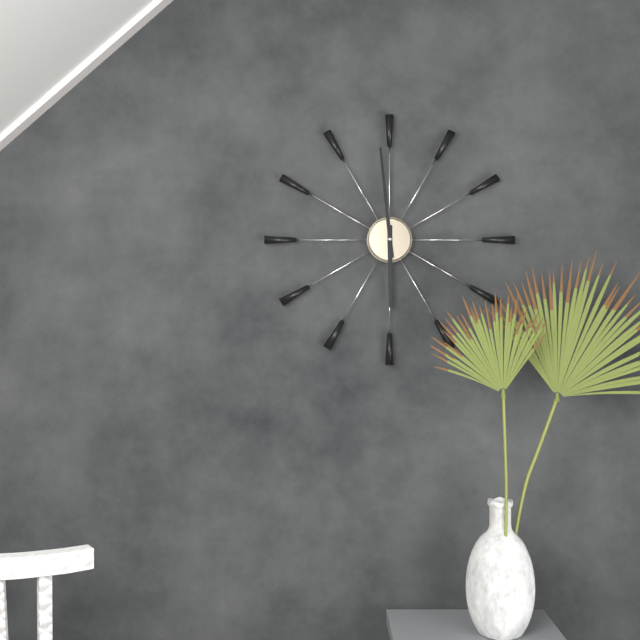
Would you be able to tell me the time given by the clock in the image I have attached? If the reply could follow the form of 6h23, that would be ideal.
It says 5h59
